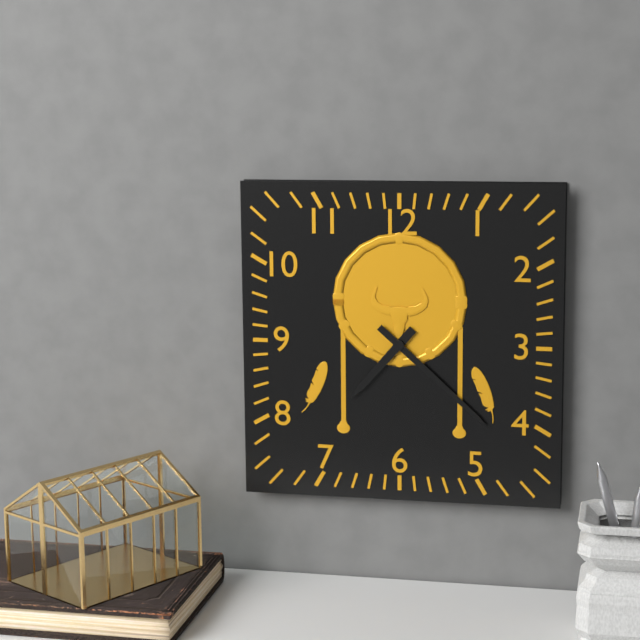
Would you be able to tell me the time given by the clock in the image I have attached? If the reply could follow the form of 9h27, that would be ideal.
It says 7h22
